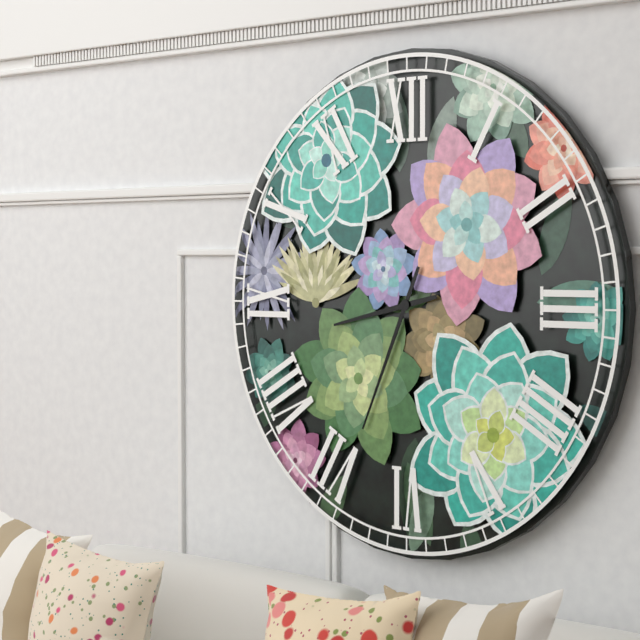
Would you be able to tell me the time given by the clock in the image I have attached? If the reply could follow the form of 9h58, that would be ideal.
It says 8h34
